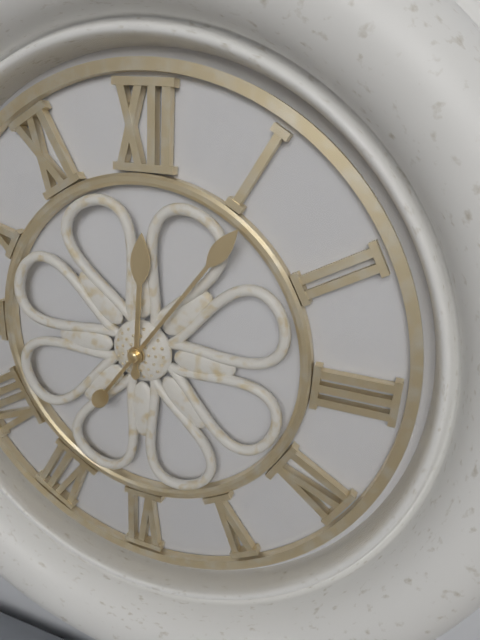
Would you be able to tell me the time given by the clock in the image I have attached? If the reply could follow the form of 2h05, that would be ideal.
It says 12h06
